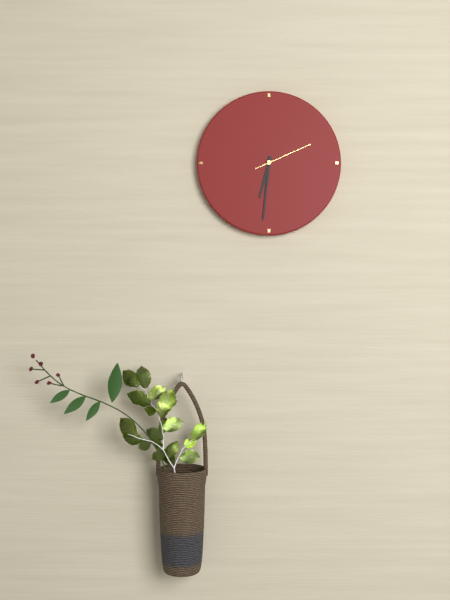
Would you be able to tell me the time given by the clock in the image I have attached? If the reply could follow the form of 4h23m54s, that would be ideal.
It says 6h31m11s
